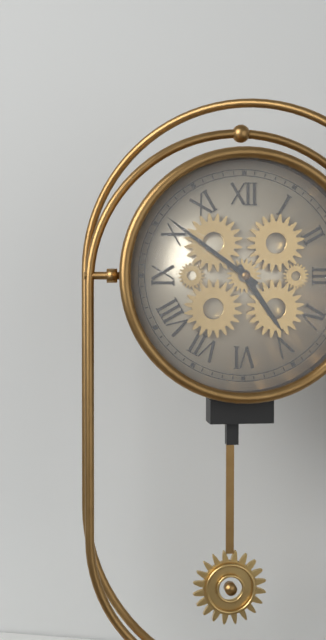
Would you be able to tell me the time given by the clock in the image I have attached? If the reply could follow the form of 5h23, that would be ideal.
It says 4h51
